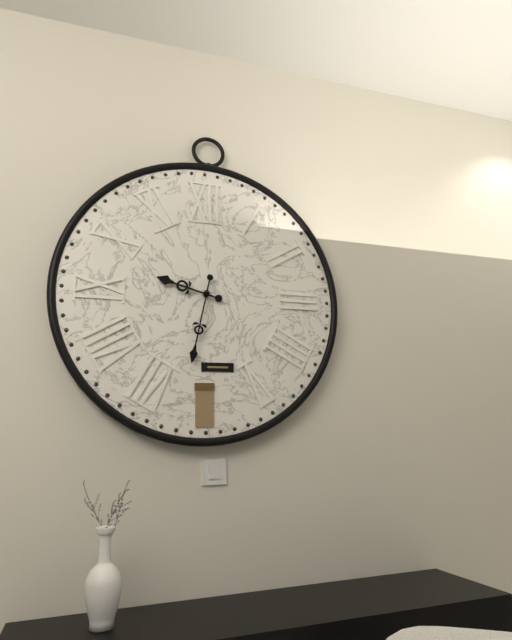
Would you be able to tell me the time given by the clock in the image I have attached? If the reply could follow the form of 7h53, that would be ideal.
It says 9h32
